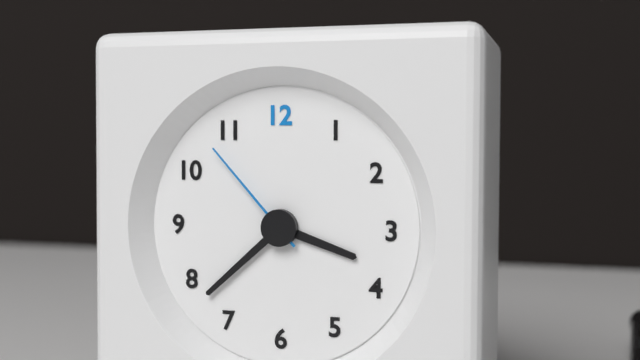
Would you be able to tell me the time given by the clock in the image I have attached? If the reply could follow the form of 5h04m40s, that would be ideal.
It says 3h38m53s
